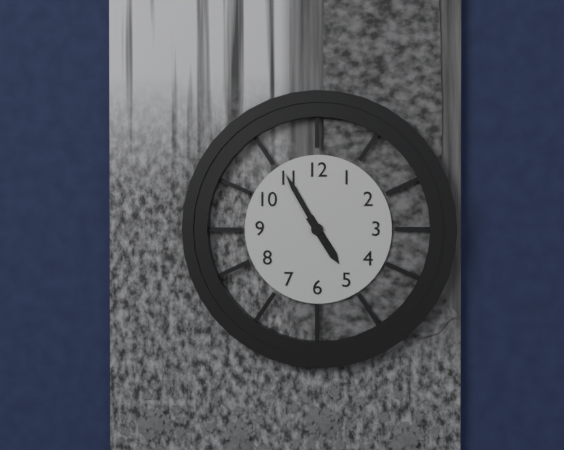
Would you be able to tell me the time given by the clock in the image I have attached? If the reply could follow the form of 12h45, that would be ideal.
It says 4h55
